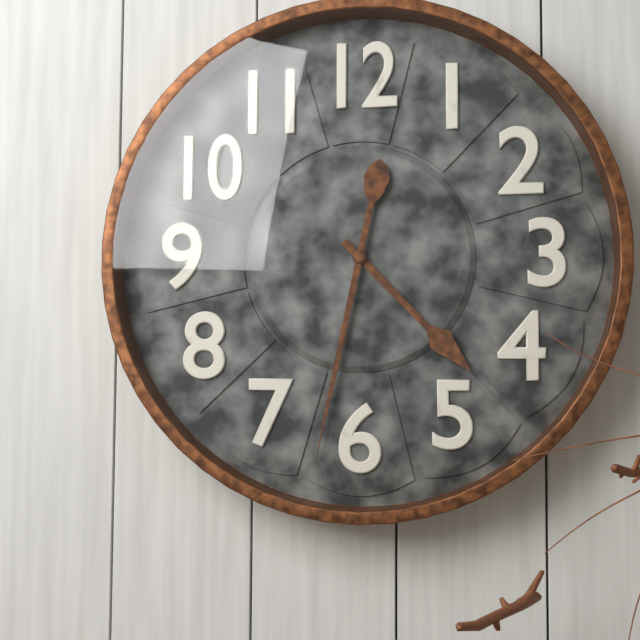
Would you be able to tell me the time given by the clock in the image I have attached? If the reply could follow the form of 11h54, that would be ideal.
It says 4h32
